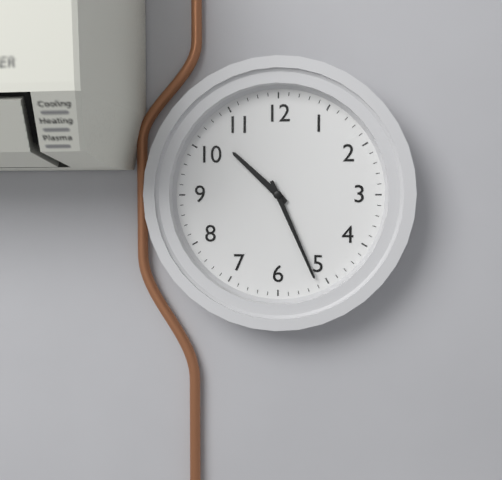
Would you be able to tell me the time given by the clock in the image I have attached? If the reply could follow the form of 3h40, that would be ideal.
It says 10h26
